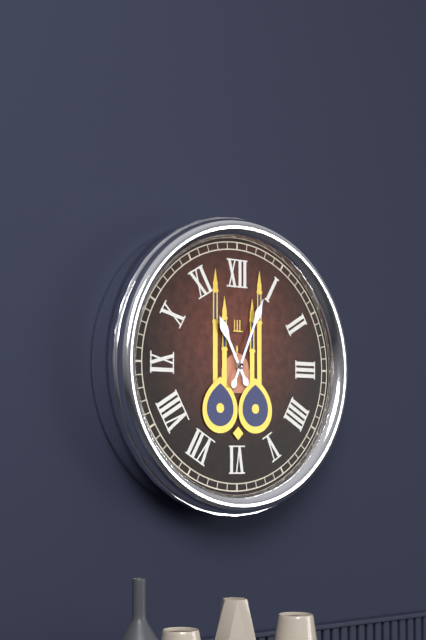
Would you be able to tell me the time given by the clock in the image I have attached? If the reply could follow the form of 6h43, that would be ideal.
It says 11h04
